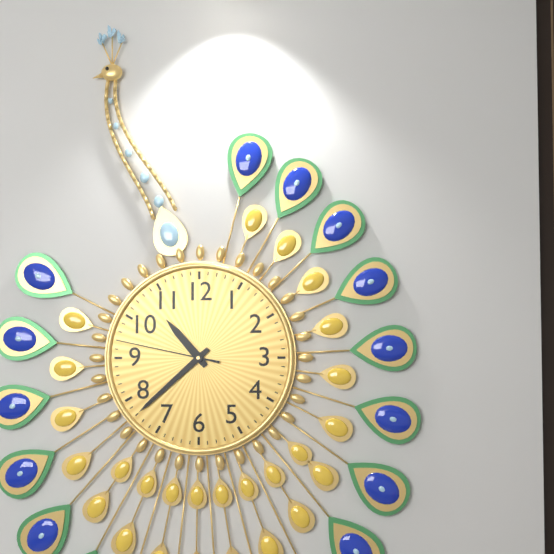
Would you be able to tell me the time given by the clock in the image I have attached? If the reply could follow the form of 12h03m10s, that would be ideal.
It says 10h38m47s
